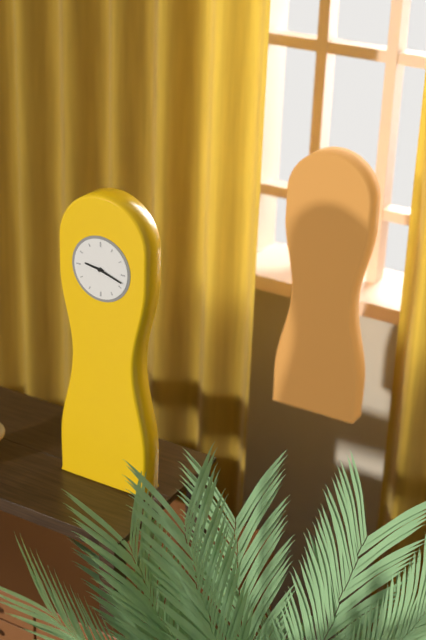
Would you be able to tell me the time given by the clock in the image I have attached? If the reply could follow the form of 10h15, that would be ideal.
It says 9h18
